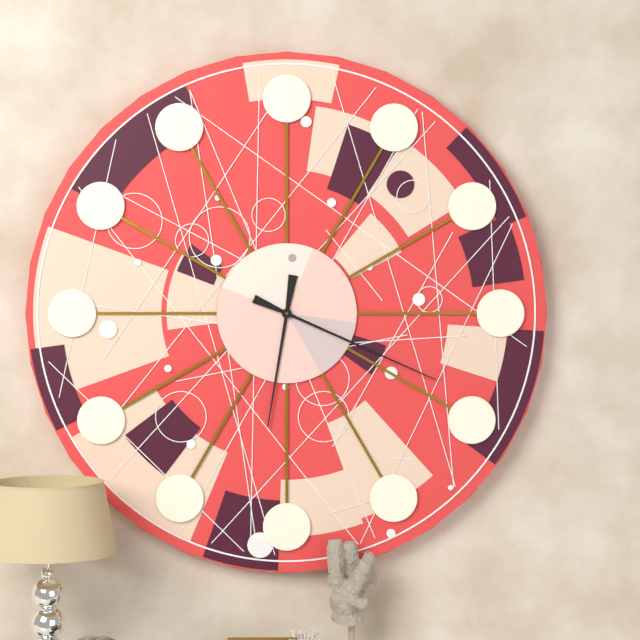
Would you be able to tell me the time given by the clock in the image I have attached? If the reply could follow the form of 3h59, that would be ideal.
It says 6h19
